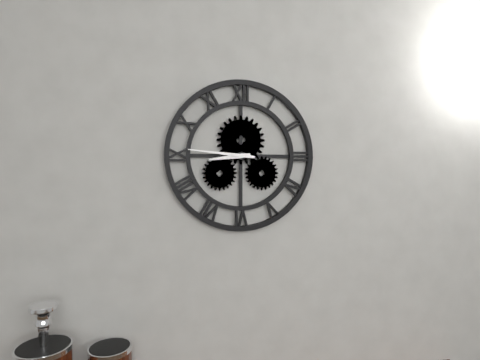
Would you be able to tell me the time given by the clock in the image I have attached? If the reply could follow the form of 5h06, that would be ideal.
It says 8h46
